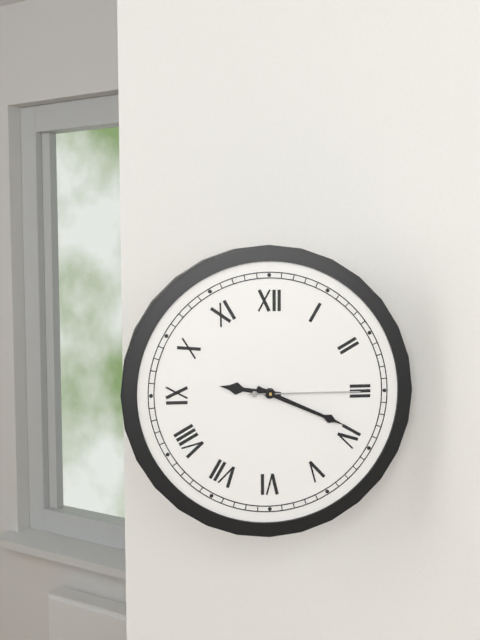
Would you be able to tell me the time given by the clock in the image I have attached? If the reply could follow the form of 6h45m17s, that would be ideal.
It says 9h19m15s
